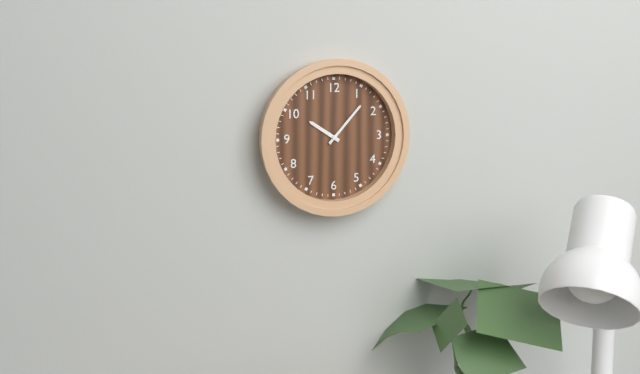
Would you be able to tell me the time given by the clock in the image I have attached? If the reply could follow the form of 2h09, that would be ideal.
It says 10h07
